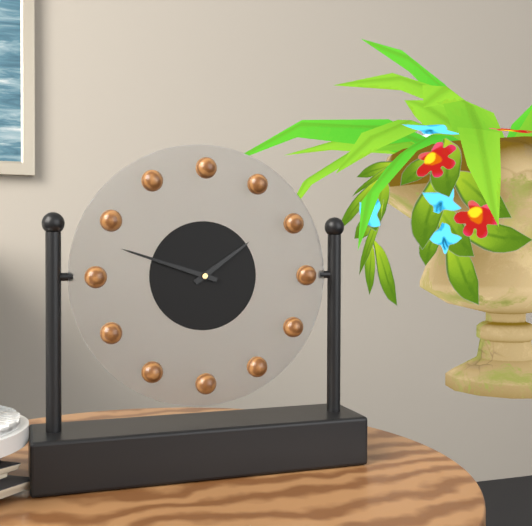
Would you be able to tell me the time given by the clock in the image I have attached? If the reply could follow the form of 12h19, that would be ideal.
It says 1h48
